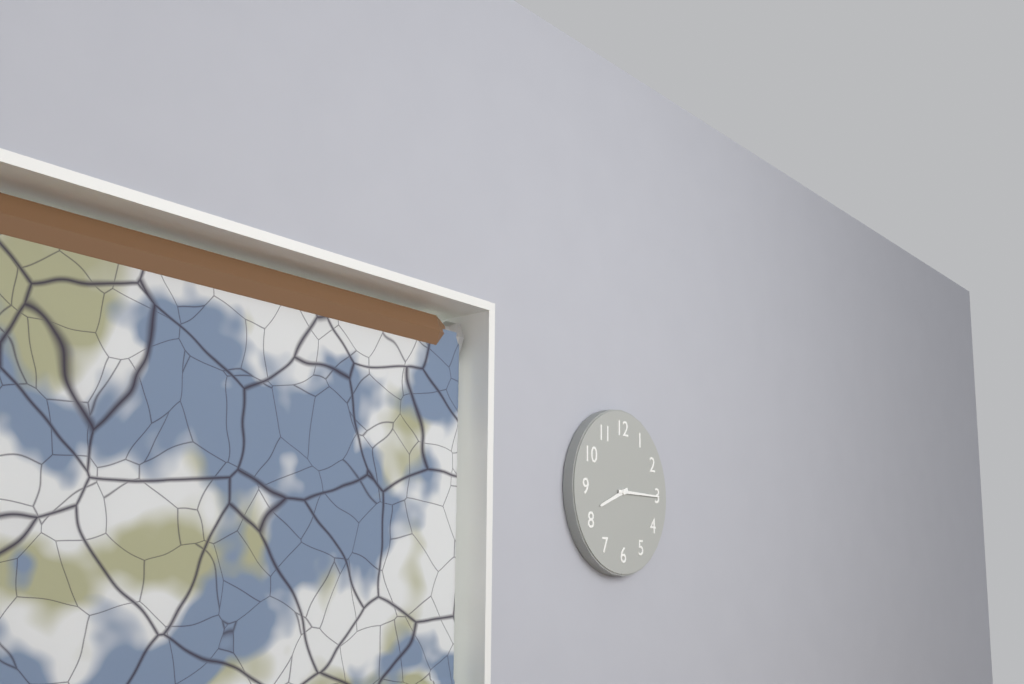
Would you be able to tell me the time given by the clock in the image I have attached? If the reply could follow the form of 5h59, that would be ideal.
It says 8h15
